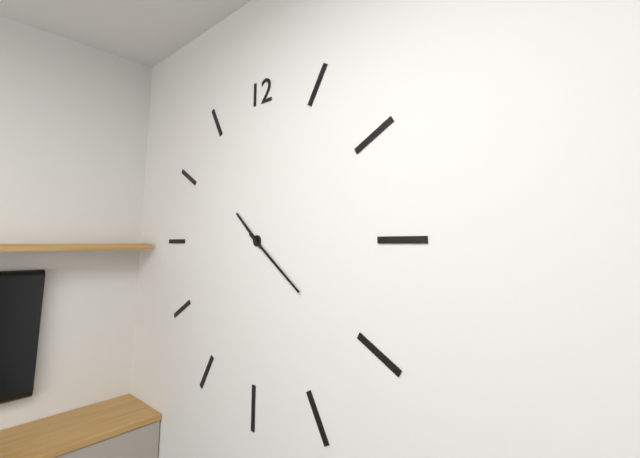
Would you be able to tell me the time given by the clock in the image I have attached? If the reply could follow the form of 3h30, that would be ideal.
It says 10h21
